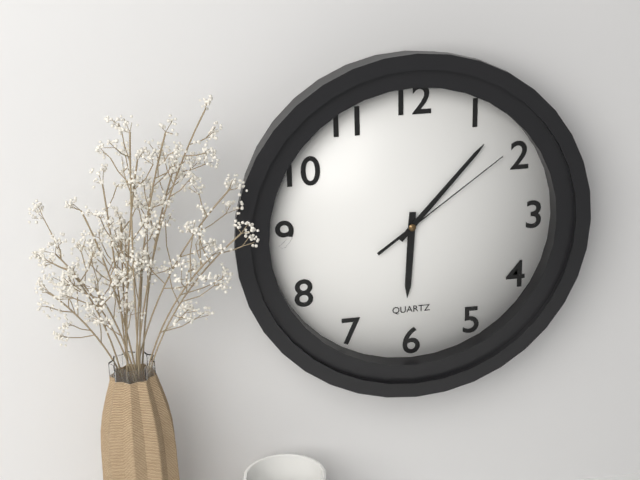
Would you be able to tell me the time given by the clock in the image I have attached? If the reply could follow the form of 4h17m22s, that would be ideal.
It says 6h07m09s
